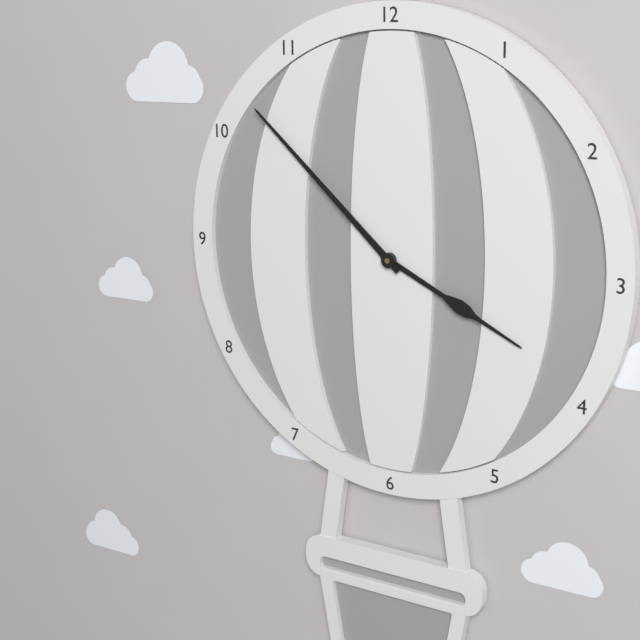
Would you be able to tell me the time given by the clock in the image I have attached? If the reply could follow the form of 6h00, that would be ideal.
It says 3h52
